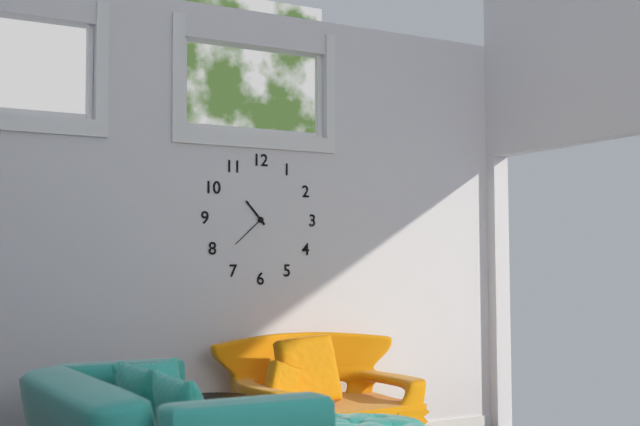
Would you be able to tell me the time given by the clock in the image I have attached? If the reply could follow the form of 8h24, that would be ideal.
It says 10h38
